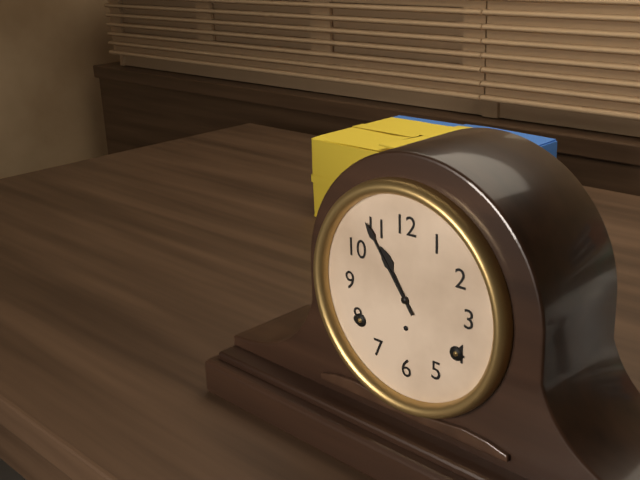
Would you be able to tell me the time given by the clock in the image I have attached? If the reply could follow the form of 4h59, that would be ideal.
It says 10h54
